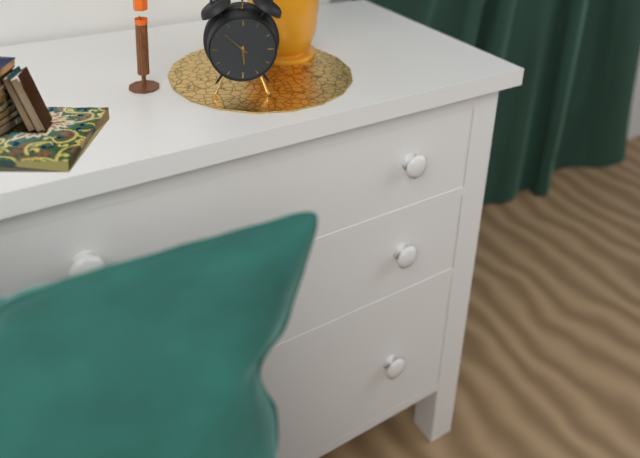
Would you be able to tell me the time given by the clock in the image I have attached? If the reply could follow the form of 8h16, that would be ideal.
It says 5h52
